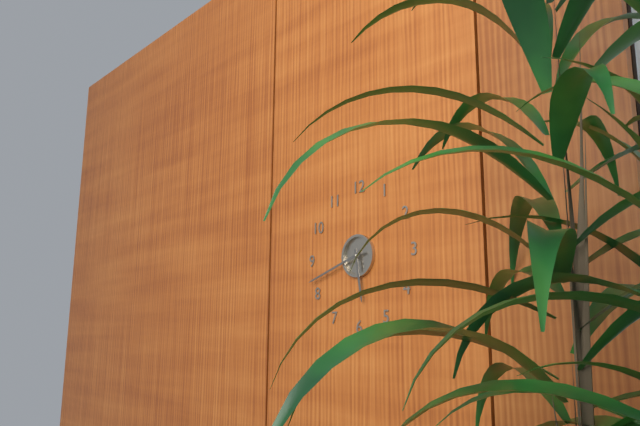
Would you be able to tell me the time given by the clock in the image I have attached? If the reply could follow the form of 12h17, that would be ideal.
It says 5h42
